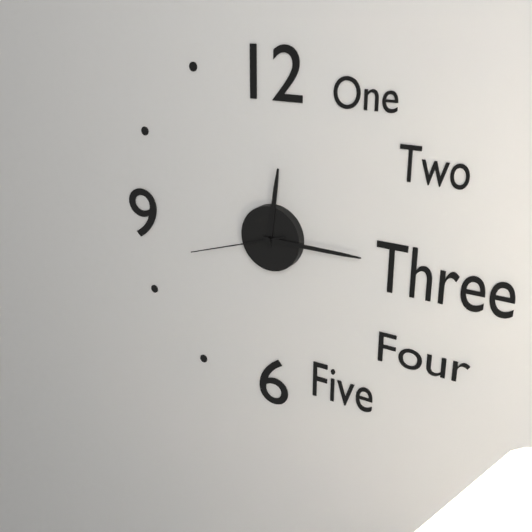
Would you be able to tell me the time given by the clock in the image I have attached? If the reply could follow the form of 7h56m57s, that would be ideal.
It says 12h15m42s
